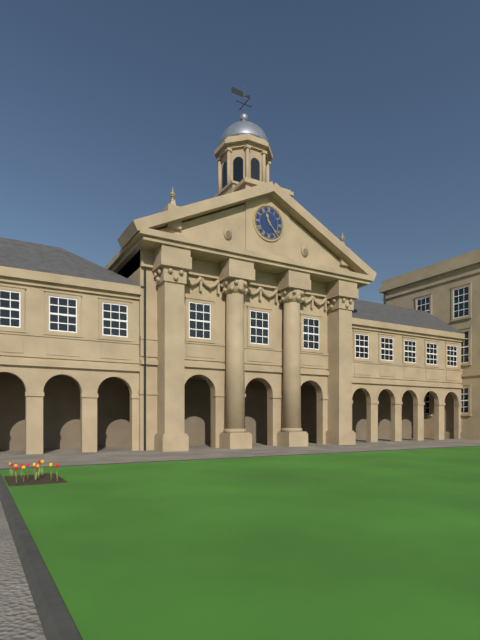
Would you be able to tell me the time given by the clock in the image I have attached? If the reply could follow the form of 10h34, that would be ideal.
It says 11h23
